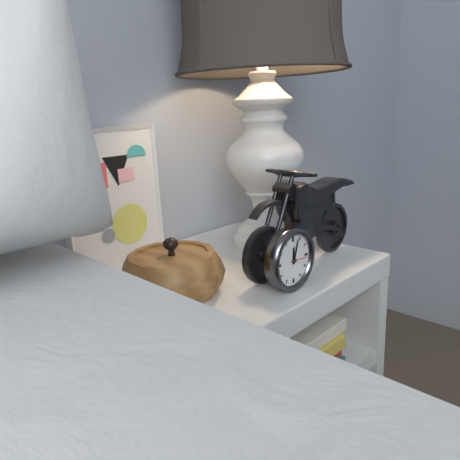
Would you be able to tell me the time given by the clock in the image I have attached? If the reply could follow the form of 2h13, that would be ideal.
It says 12h03
